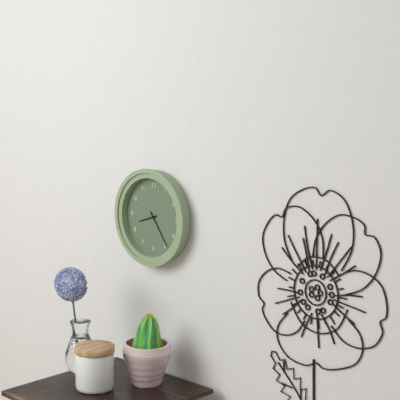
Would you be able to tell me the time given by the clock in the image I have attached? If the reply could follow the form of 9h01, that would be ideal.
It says 8h24
